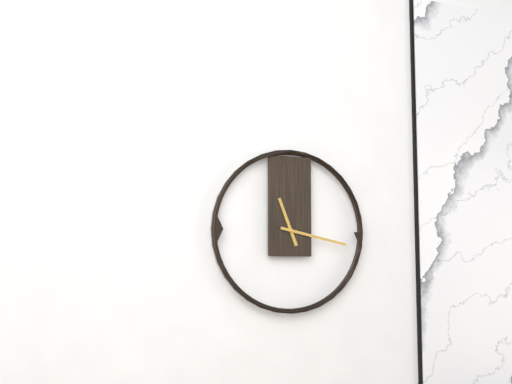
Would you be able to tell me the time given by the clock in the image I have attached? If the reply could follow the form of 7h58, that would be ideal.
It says 11h17
